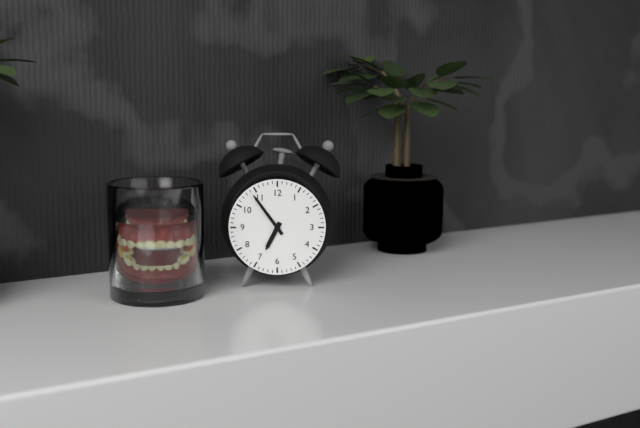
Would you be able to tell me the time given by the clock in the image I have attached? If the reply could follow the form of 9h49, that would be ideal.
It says 6h54
